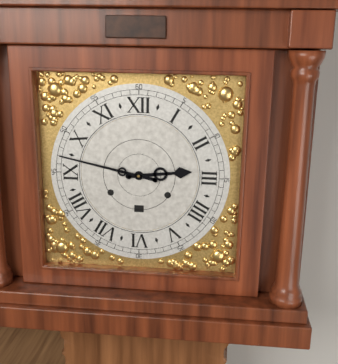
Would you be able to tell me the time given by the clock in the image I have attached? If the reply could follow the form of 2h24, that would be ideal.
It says 2h47
